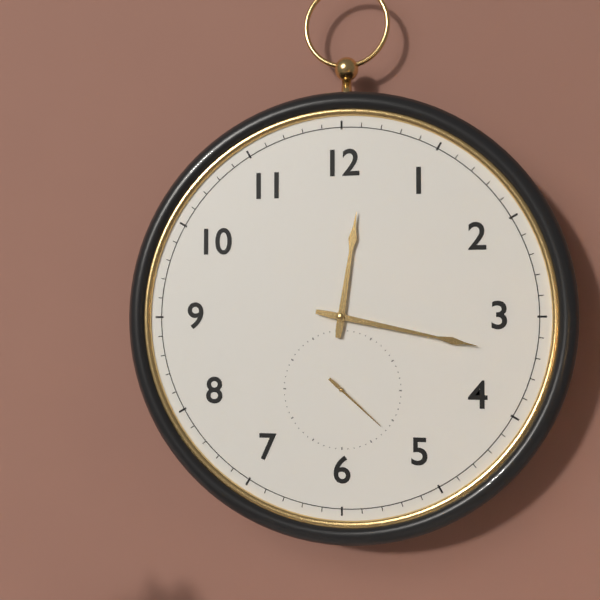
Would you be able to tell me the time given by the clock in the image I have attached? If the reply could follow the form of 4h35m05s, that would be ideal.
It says 12h17m22s
